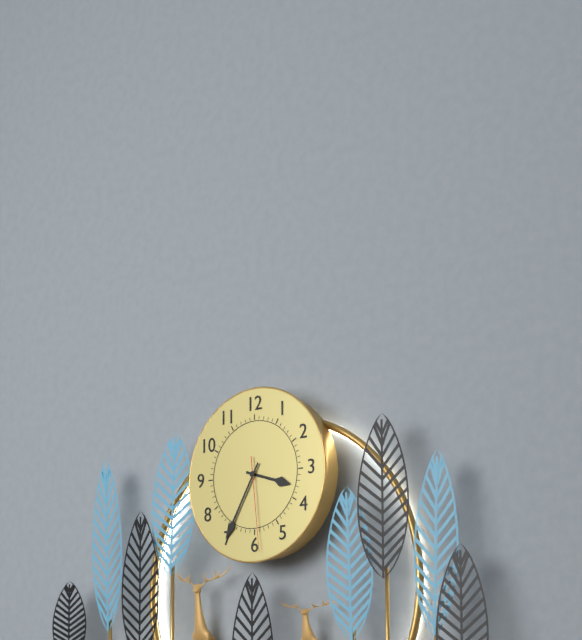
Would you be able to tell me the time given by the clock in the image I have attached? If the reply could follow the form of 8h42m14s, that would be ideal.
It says 3h35m29s
